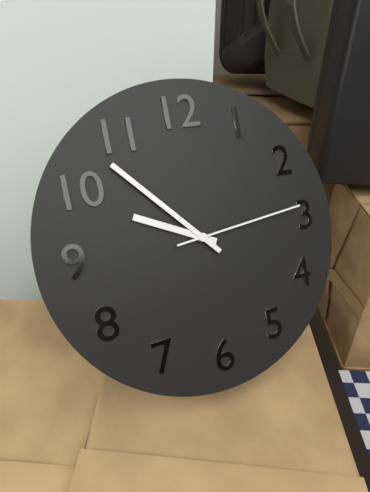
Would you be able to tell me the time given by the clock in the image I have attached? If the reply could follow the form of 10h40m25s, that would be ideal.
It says 9h53m14s
